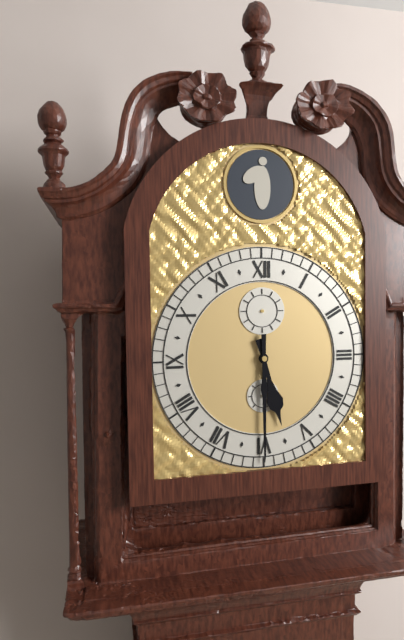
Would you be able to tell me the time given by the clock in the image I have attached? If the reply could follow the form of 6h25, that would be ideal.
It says 5h30
